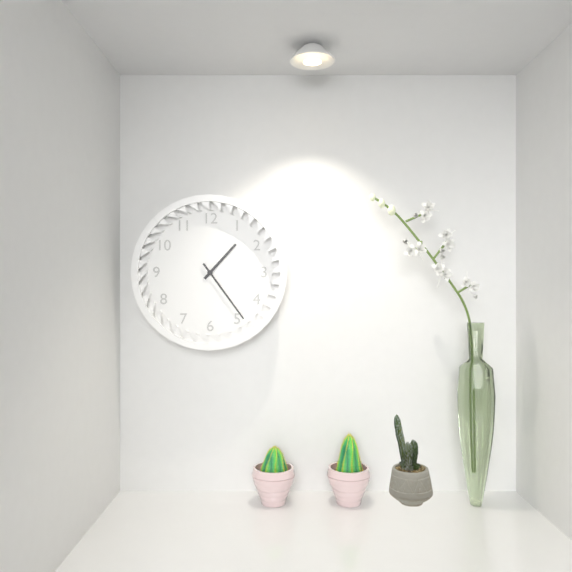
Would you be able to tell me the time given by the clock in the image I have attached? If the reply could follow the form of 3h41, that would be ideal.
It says 1h24
